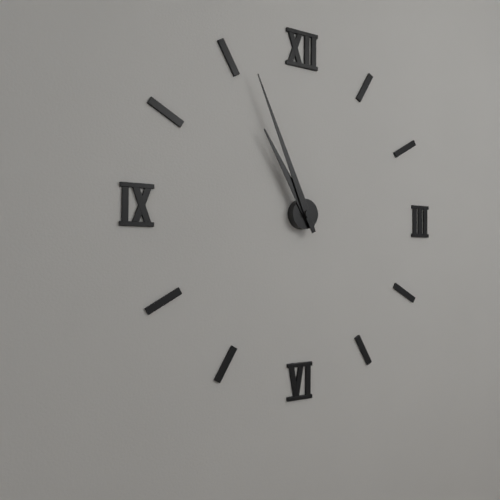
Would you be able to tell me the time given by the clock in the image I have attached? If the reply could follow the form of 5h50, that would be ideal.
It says 10h56
